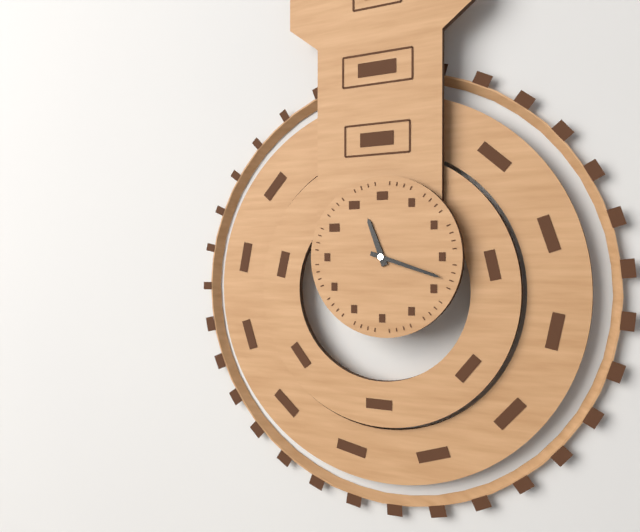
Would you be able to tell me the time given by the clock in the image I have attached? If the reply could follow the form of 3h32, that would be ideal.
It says 11h18
